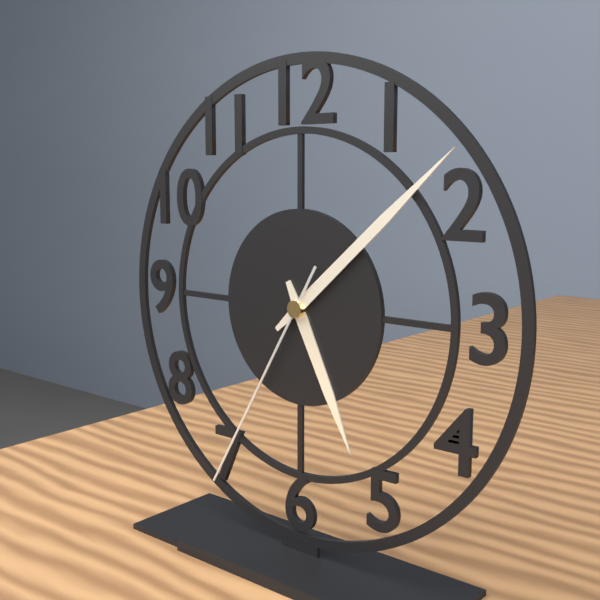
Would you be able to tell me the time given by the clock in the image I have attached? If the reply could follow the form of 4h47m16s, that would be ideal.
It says 5h08m35s
